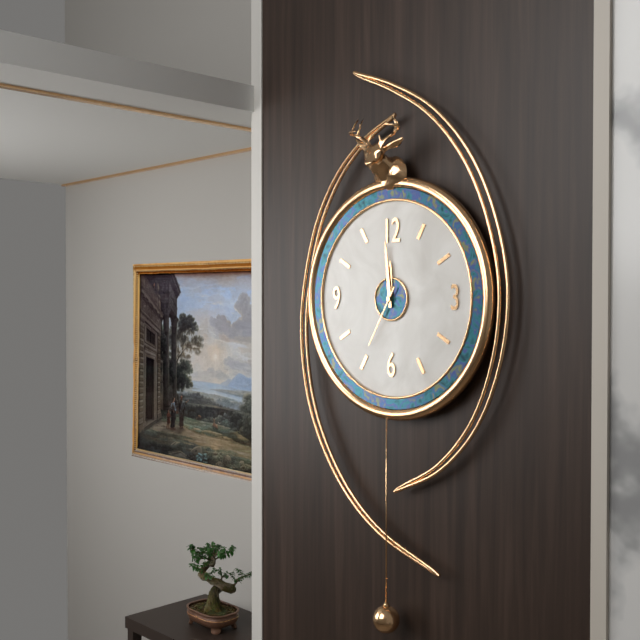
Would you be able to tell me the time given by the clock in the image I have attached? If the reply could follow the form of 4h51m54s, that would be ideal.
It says 11h59m35s
